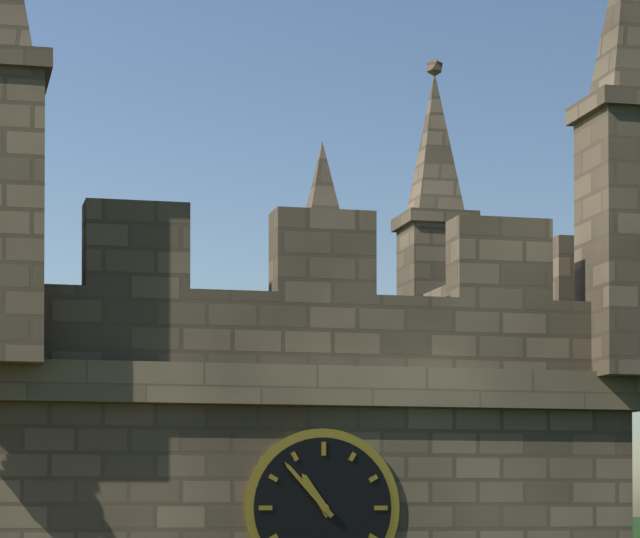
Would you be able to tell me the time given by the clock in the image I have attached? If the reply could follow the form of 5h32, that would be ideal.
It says 10h53
